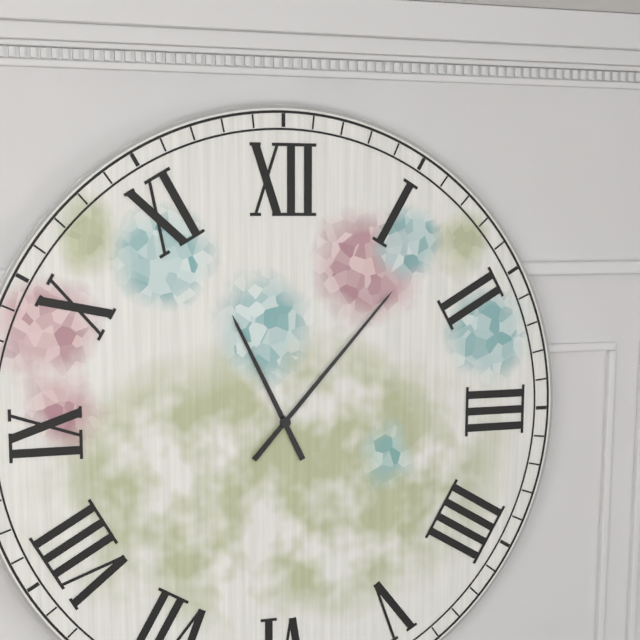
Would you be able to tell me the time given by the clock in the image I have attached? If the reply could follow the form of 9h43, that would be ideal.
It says 11h07
